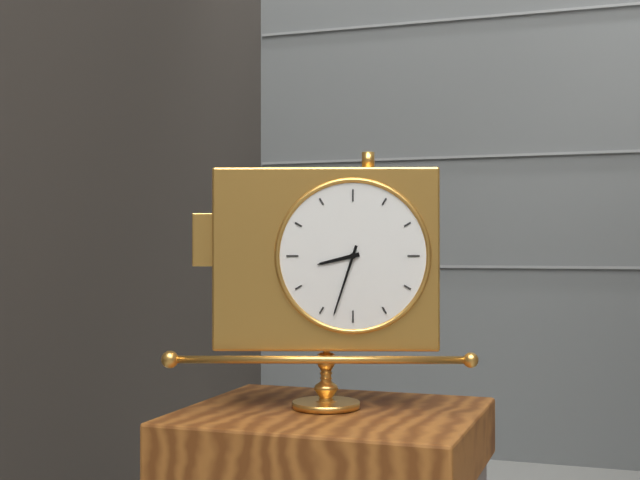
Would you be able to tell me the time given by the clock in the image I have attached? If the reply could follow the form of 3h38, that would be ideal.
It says 8h33
